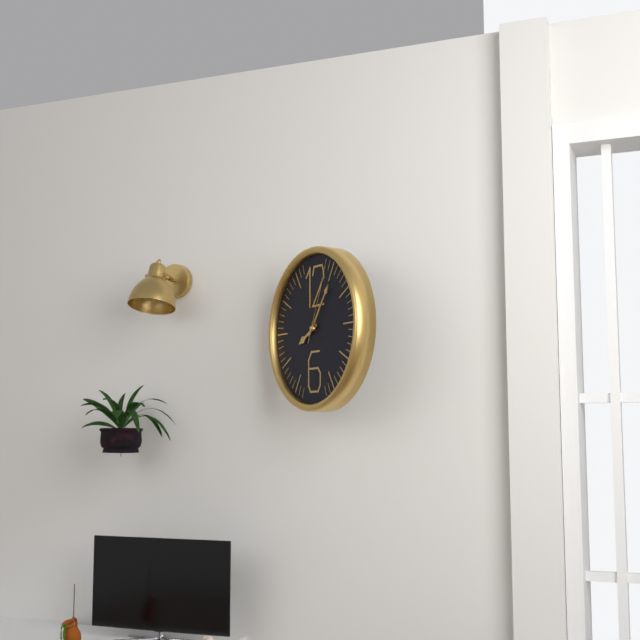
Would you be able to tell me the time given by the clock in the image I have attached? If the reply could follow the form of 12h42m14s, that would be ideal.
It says 8h06m04s
